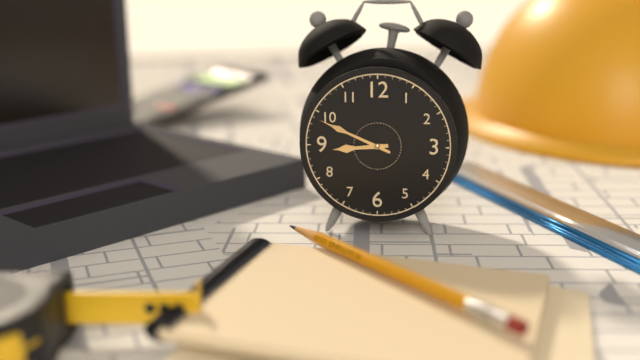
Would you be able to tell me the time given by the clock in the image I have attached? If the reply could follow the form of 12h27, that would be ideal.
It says 8h49
